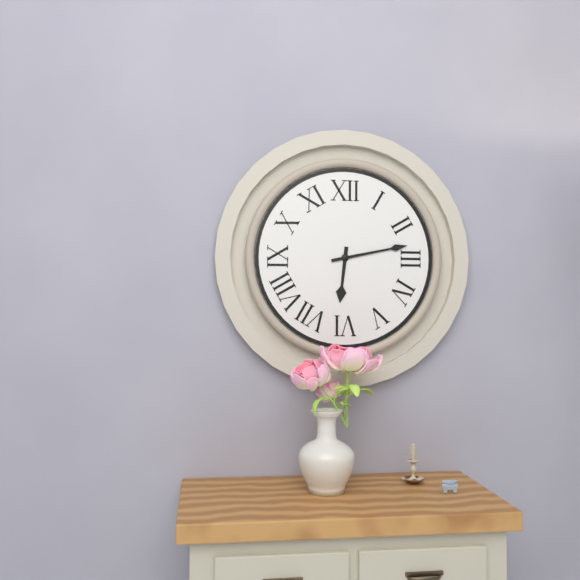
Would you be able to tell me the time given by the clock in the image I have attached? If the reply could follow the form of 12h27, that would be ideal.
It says 6h13
